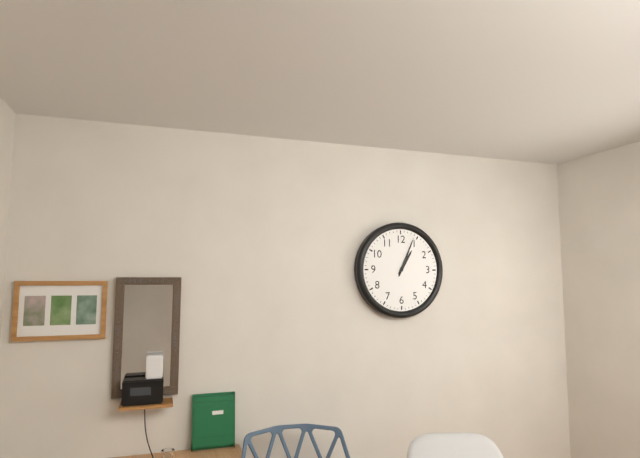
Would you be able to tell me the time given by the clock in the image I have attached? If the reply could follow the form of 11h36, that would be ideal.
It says 1h04
